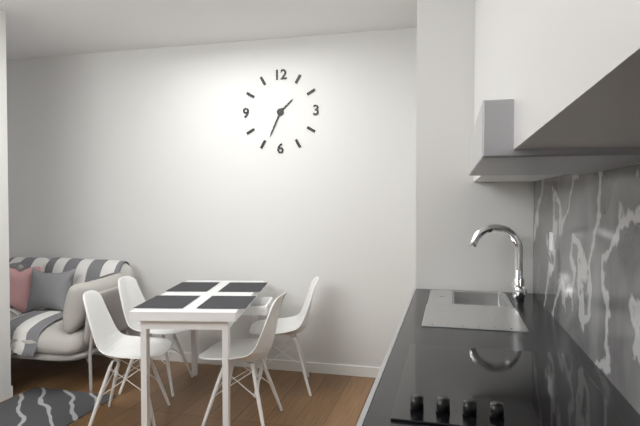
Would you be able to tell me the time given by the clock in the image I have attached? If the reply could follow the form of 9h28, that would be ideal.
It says 1h34
